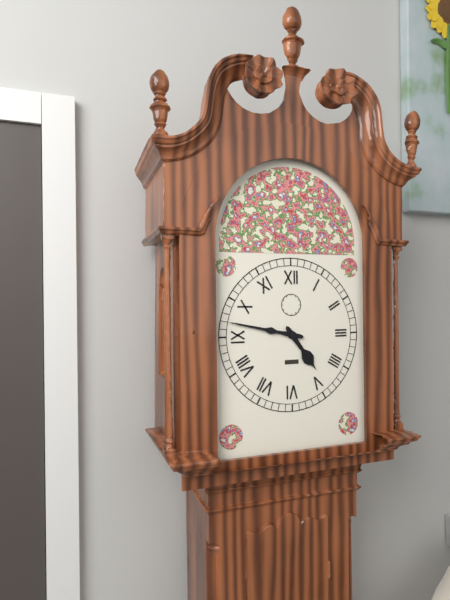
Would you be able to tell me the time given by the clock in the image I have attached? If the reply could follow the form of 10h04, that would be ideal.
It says 4h47
